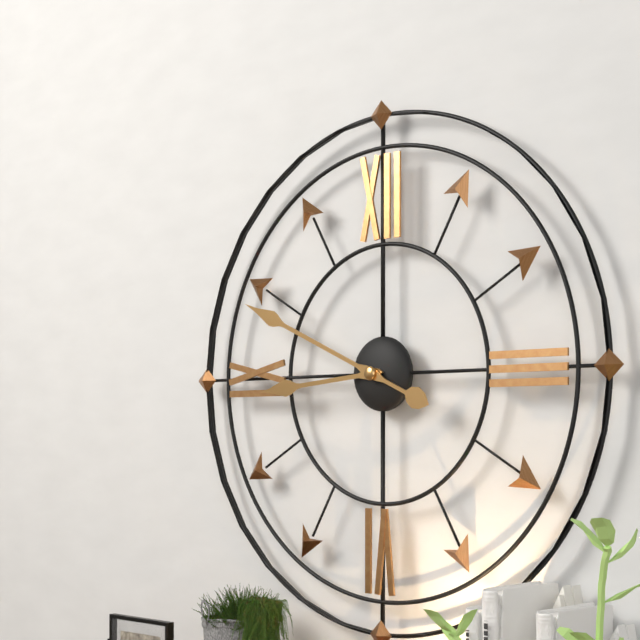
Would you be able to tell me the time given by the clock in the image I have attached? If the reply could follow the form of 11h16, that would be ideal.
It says 8h49
